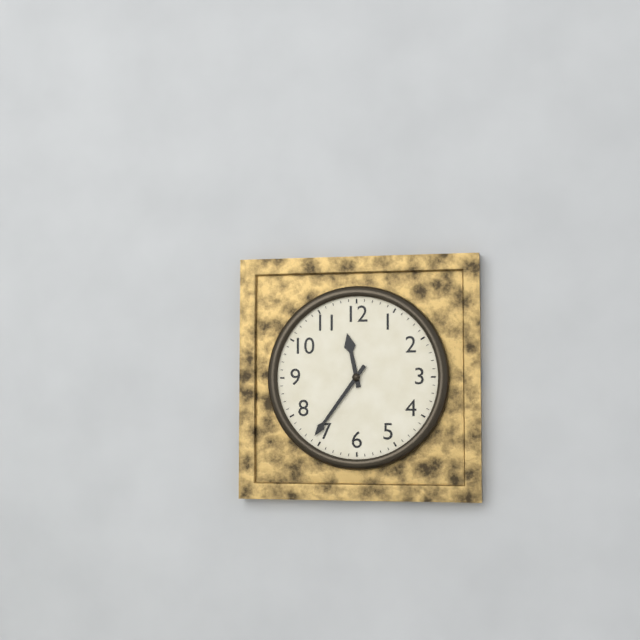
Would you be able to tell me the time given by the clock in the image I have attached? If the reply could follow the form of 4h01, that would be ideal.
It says 11h36
